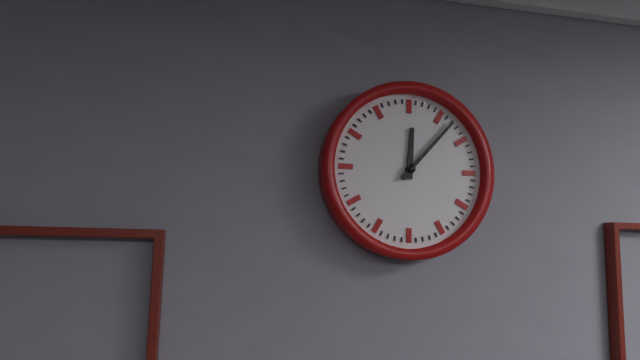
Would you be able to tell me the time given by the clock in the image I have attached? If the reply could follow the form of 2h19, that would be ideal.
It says 12h07
